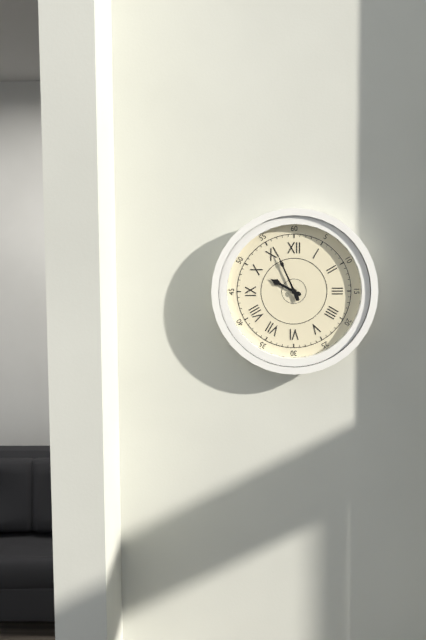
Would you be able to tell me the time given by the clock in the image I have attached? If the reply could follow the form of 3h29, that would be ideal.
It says 9h56
